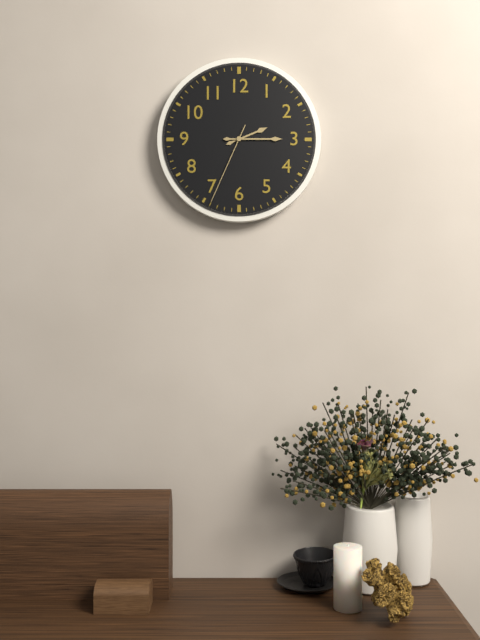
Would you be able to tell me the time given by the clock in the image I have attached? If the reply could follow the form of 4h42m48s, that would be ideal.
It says 2h15m34s
